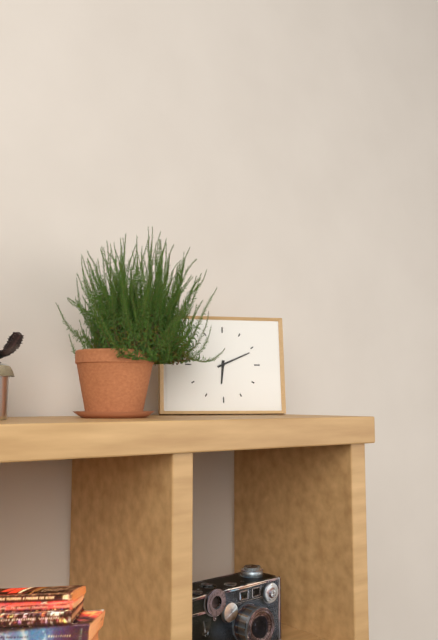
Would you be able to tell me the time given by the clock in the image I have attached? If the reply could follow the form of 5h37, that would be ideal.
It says 6h11
